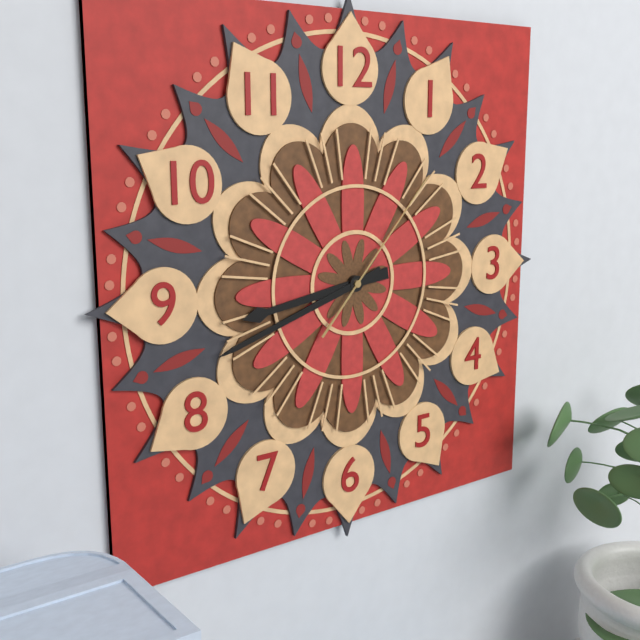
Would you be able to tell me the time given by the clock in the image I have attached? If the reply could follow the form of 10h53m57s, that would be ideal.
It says 8h42m07s
